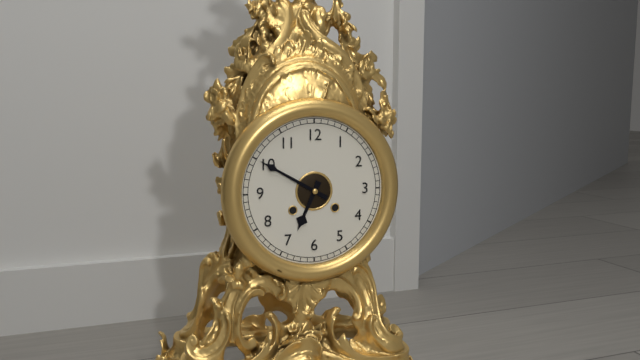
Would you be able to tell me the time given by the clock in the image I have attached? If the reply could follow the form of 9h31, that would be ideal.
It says 6h50
